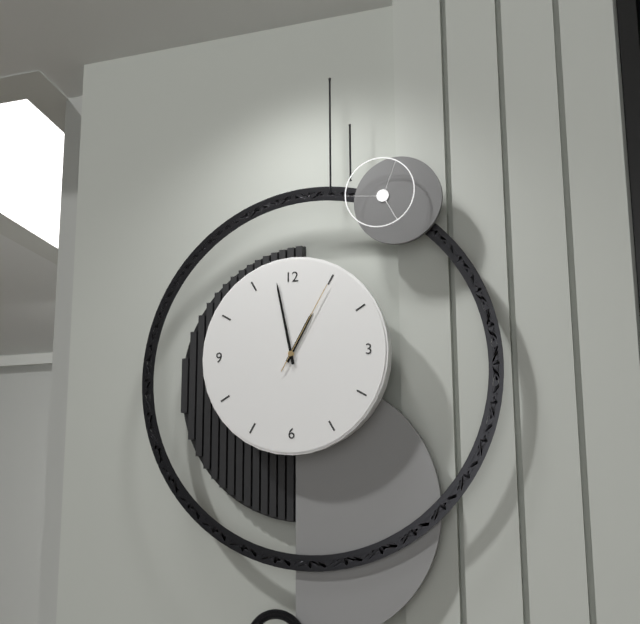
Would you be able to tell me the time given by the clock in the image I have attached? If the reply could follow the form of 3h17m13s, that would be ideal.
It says 12h58m05s
